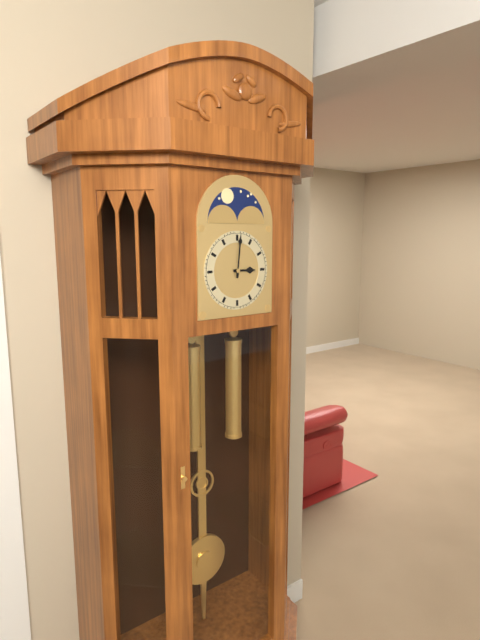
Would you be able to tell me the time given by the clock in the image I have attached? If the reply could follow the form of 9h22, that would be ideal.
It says 3h01
